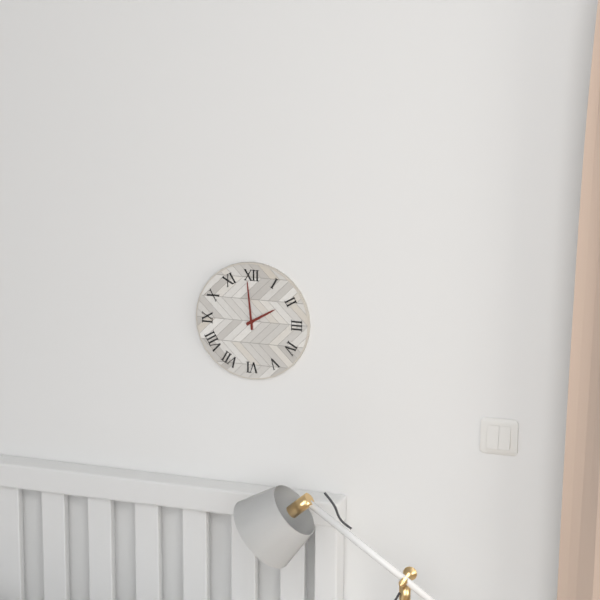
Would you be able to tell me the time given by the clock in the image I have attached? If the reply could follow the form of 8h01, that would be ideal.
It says 1h59
